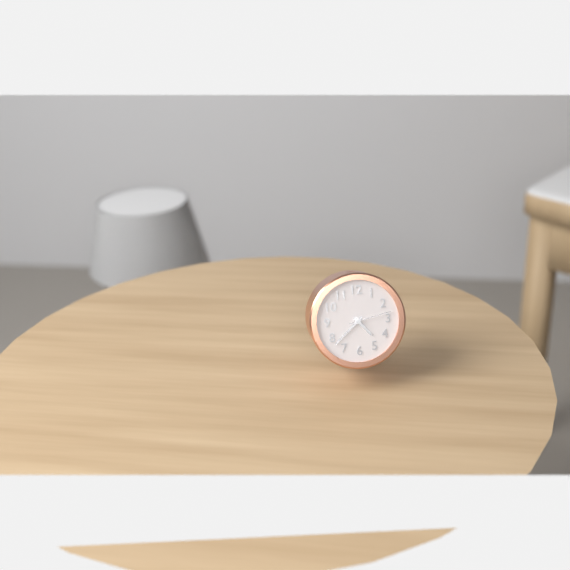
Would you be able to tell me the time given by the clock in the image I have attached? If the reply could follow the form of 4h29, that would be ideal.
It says 4h38
